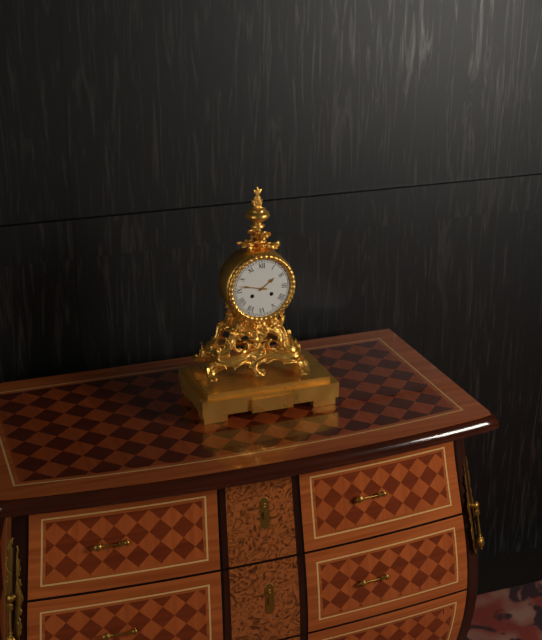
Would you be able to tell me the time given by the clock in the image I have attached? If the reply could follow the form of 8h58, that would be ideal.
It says 1h47
